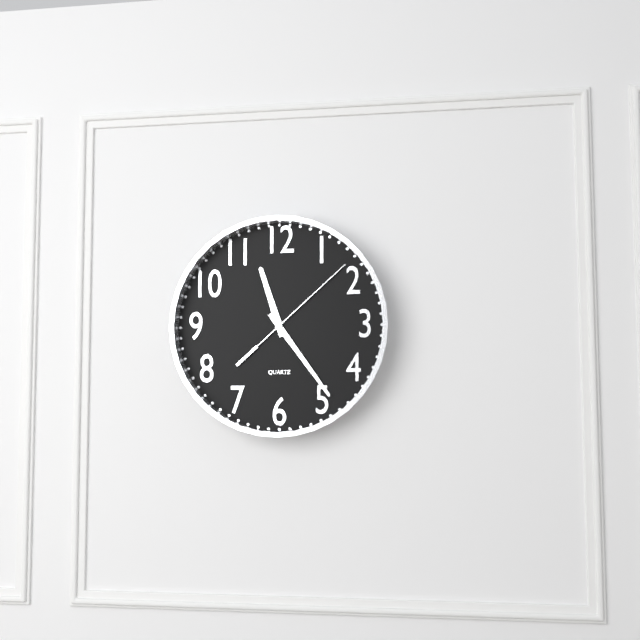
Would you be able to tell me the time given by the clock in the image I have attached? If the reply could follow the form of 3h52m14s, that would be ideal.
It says 11h24m08s
